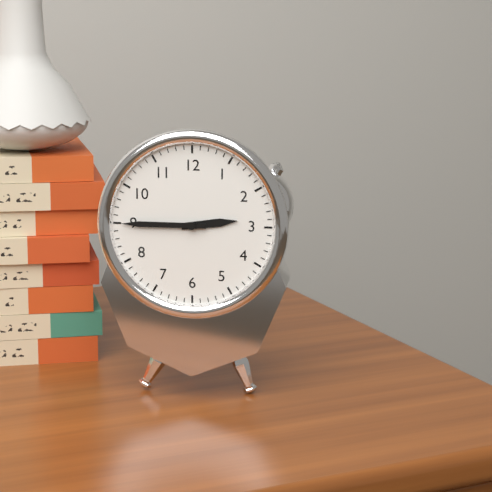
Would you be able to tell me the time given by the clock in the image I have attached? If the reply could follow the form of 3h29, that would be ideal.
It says 2h45
